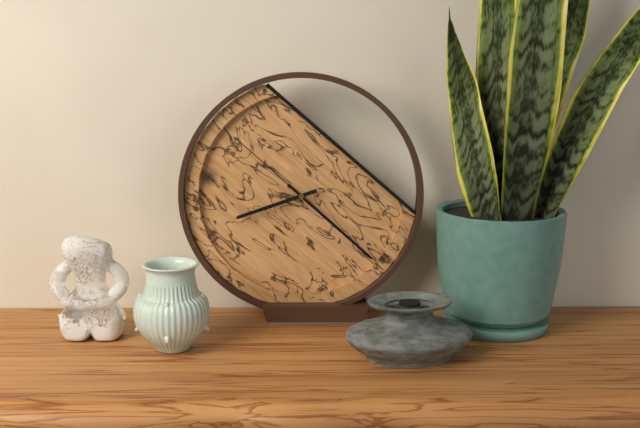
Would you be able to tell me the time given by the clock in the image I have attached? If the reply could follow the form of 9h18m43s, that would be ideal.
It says 8h22m52s
